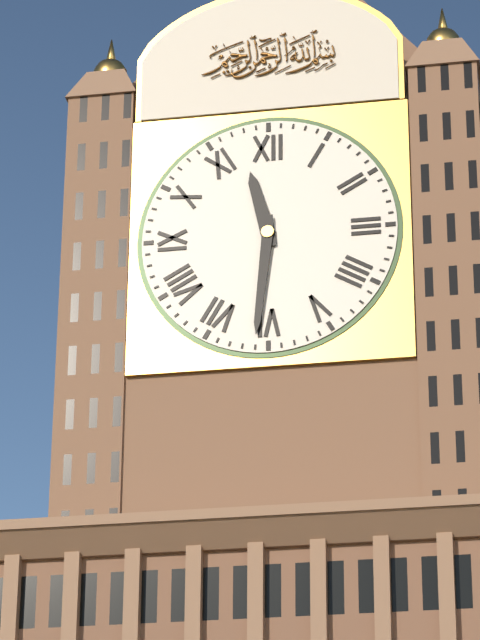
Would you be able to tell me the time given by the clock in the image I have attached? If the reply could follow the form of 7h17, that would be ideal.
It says 11h31
